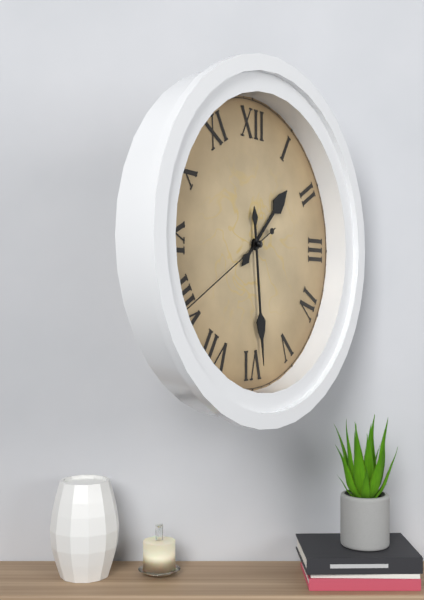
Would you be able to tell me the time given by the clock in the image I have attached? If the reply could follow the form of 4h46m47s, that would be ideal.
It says 1h29m40s
